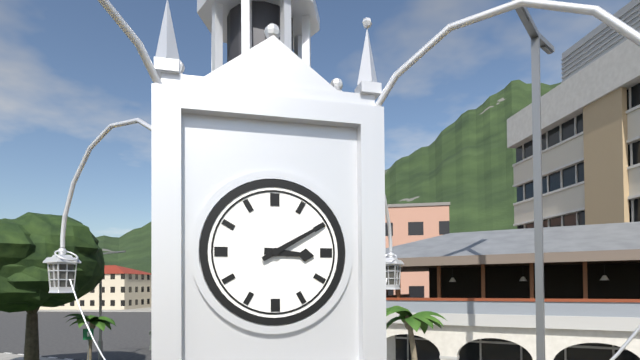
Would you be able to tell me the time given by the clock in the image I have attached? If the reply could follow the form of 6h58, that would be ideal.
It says 3h10
